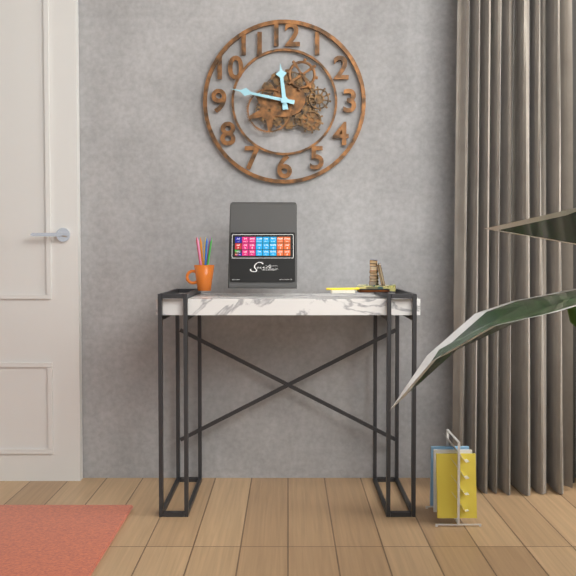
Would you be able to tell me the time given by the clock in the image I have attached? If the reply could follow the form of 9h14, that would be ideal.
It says 11h47
